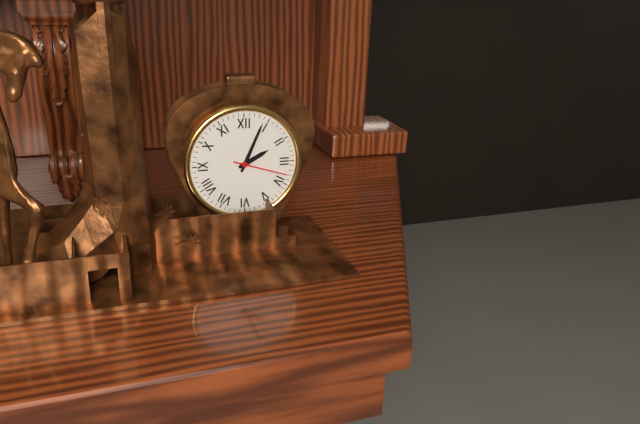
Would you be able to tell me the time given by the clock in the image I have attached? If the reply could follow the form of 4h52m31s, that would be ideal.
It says 2h04m18s
